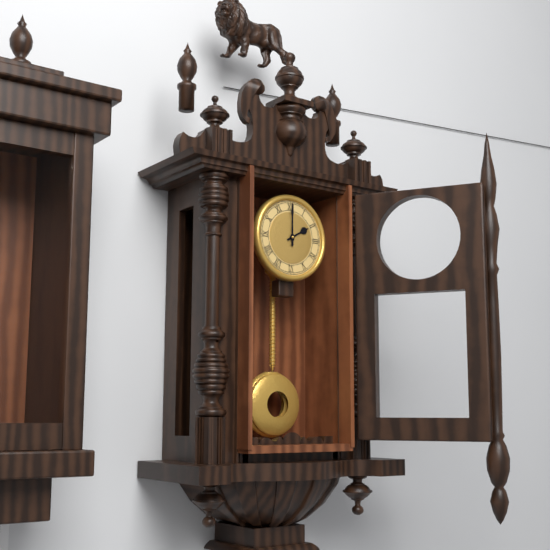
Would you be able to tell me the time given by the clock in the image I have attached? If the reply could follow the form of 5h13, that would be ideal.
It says 2h00
